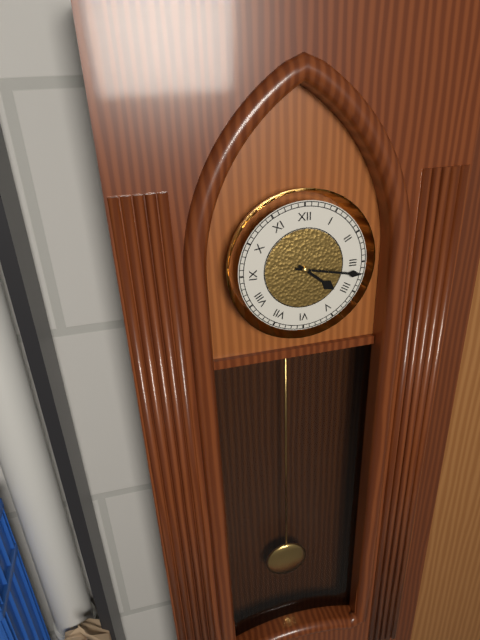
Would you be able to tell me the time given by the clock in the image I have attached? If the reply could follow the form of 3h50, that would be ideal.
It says 4h17
